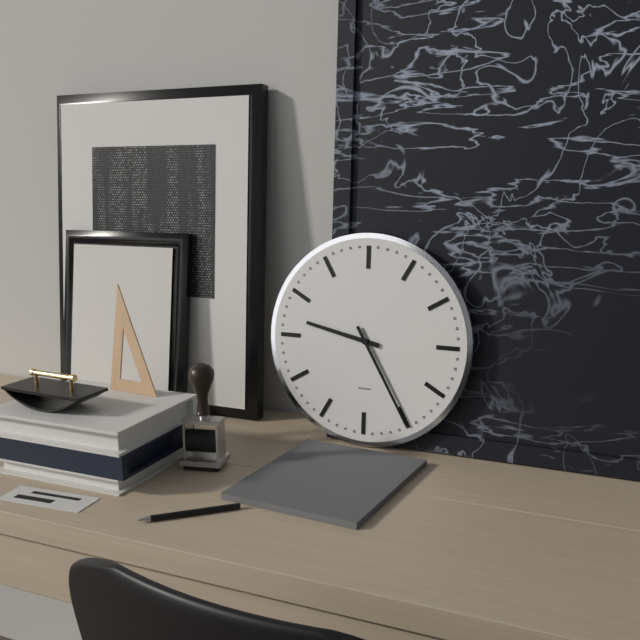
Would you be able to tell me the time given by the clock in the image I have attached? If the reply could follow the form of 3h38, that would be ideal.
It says 9h25
